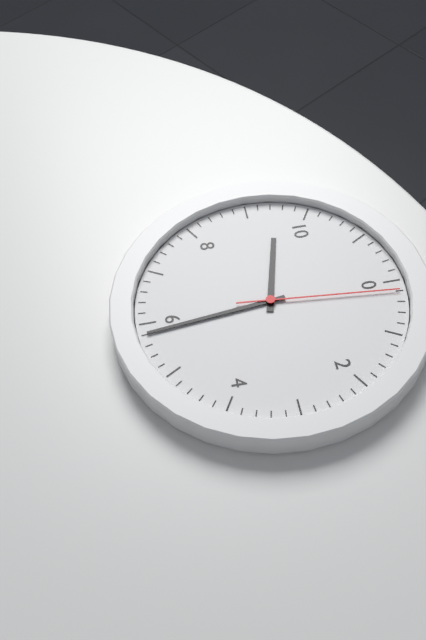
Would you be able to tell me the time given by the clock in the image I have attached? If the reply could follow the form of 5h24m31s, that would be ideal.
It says 9h29m01s
